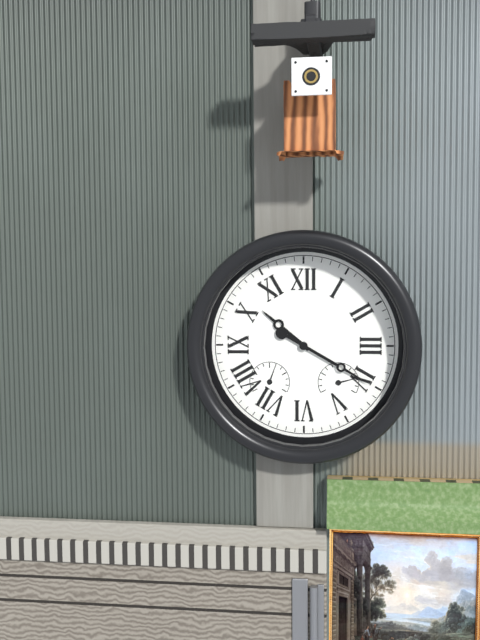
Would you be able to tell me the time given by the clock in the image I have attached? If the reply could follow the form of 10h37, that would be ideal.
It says 10h20
